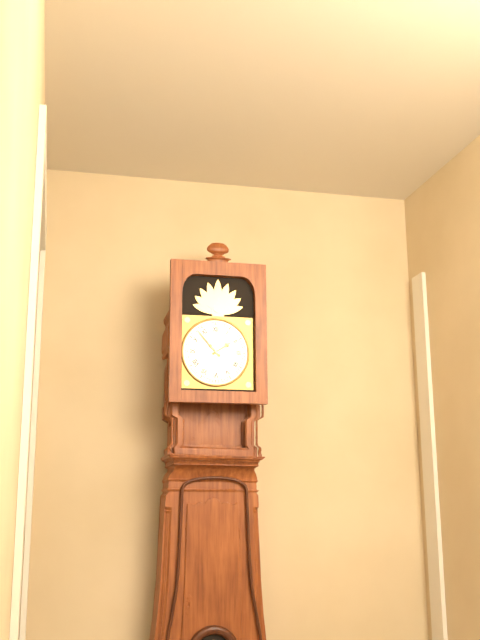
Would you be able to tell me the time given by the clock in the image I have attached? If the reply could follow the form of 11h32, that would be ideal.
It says 1h53
